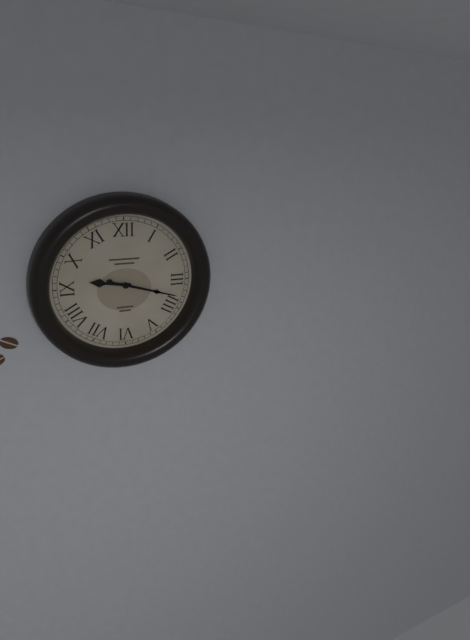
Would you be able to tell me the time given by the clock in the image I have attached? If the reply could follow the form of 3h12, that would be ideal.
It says 9h18
